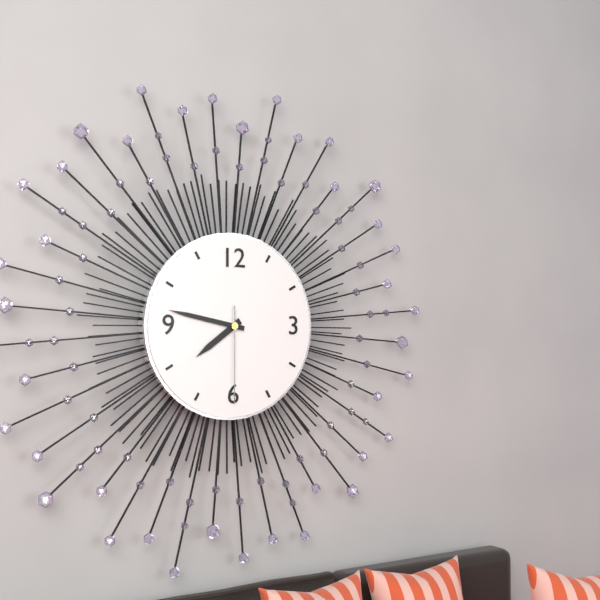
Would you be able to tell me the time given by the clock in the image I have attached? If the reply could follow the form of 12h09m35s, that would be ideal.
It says 7h47m30s
